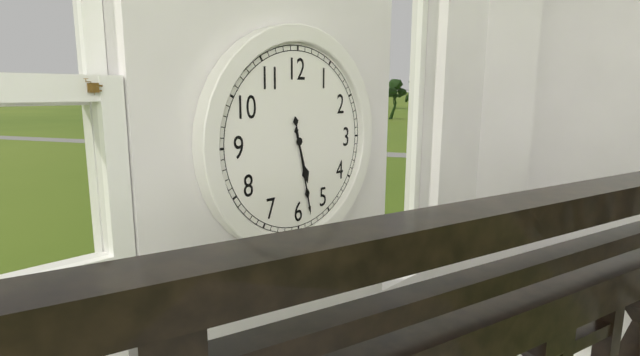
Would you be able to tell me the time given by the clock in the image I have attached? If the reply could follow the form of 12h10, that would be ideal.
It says 5h28
